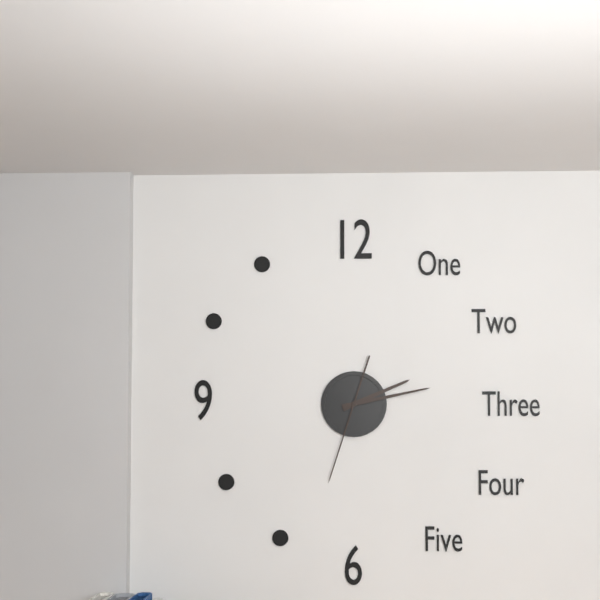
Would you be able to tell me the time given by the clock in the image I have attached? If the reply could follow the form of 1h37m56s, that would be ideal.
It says 2h13m33s
